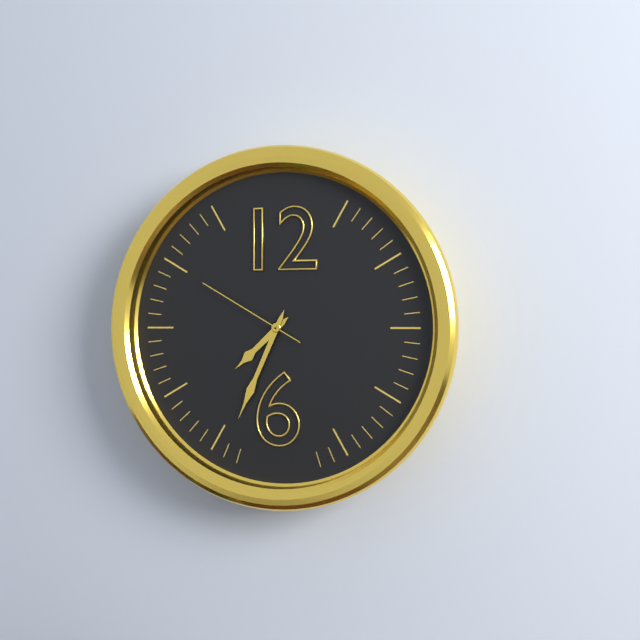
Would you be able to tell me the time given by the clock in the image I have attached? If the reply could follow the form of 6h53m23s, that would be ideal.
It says 7h34m50s
